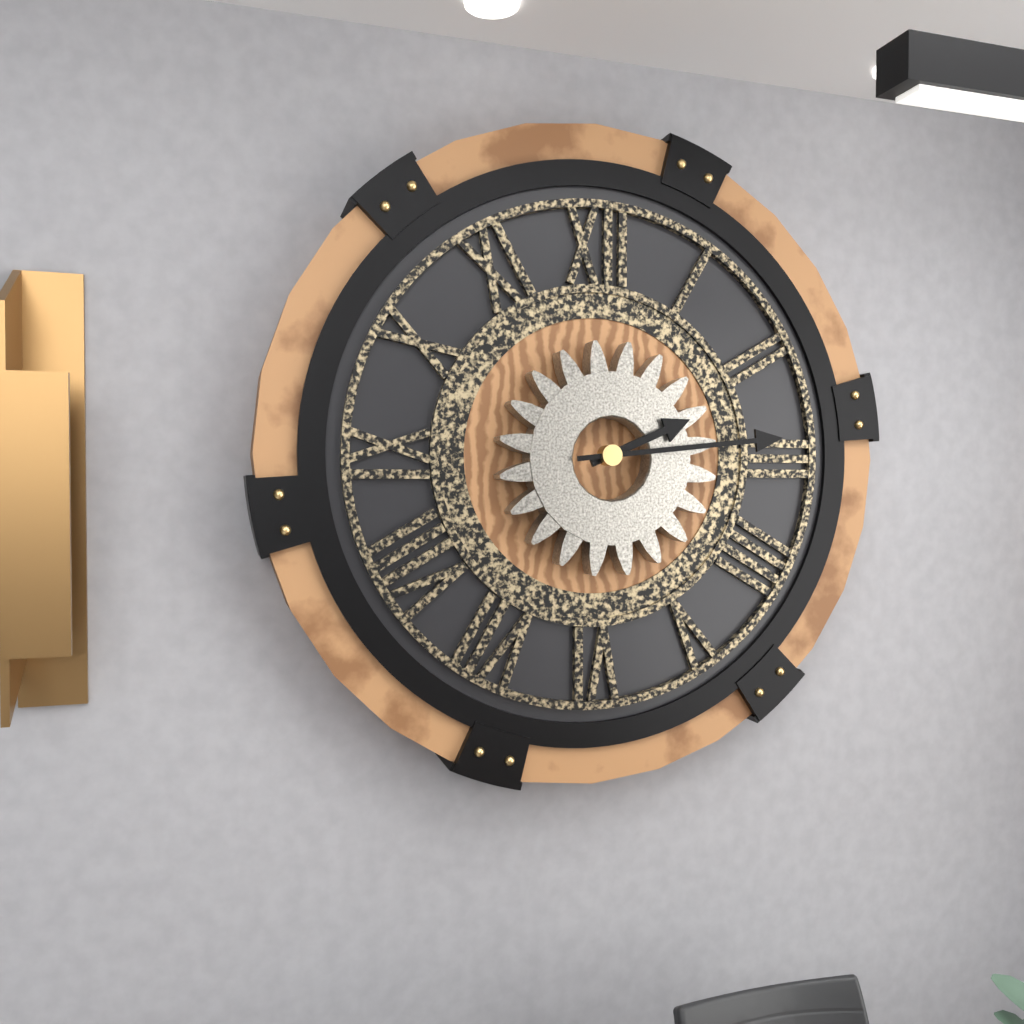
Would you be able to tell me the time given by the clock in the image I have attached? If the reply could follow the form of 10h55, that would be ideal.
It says 2h14
